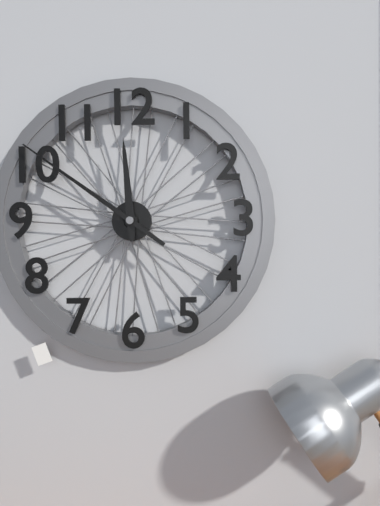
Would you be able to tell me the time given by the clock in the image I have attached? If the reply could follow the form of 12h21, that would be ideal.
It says 11h51
